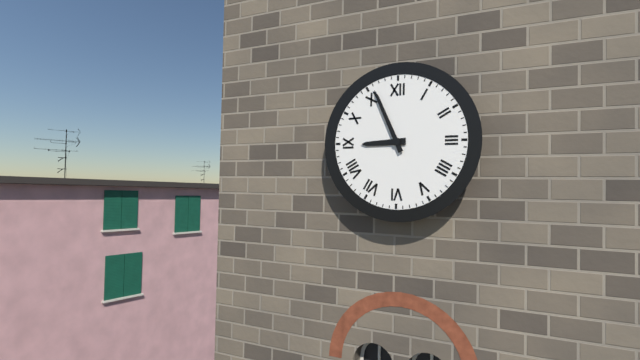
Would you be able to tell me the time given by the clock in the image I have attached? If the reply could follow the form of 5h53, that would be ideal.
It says 8h56
